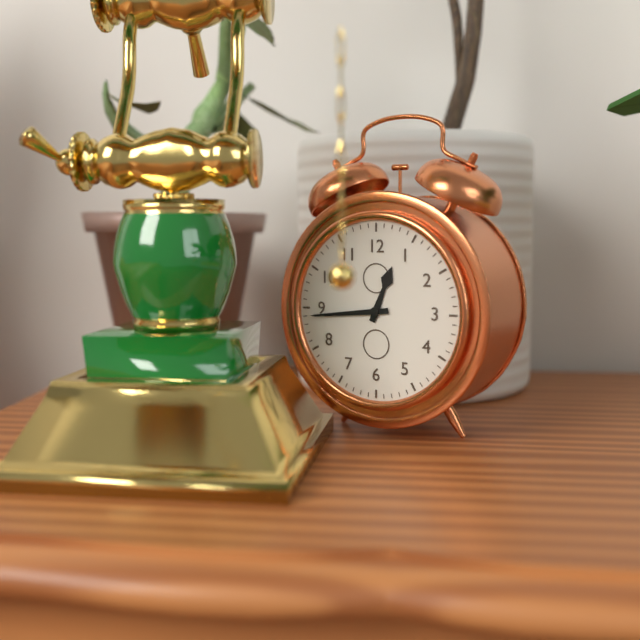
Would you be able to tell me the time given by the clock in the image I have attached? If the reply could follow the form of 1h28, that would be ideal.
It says 12h44
